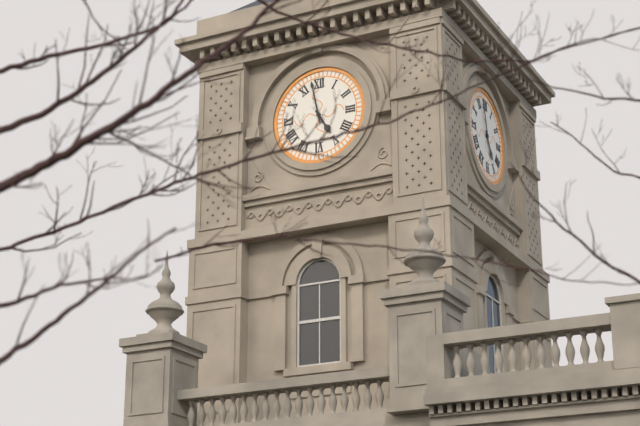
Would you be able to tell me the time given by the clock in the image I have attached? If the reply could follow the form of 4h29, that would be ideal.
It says 4h58
